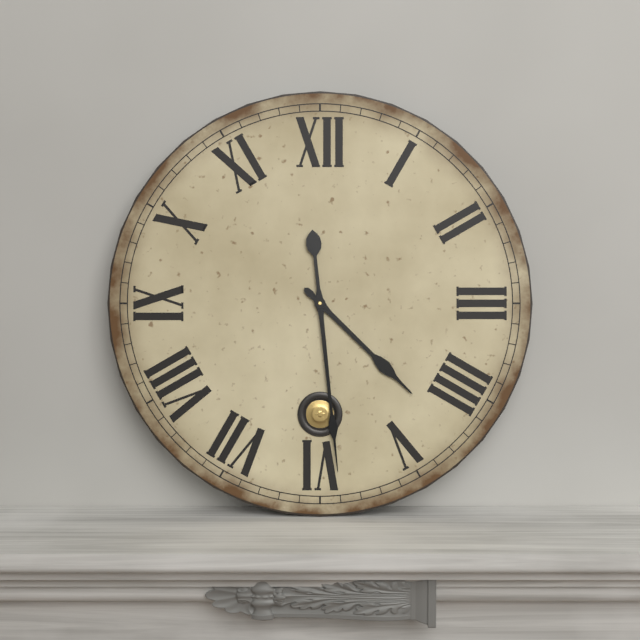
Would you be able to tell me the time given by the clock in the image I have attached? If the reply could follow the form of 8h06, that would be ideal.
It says 4h29
